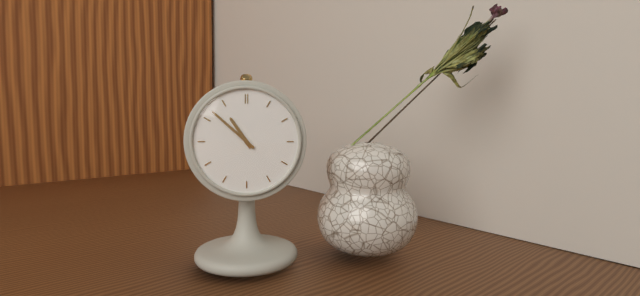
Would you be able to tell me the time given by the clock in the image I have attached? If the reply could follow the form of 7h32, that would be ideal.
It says 10h52
